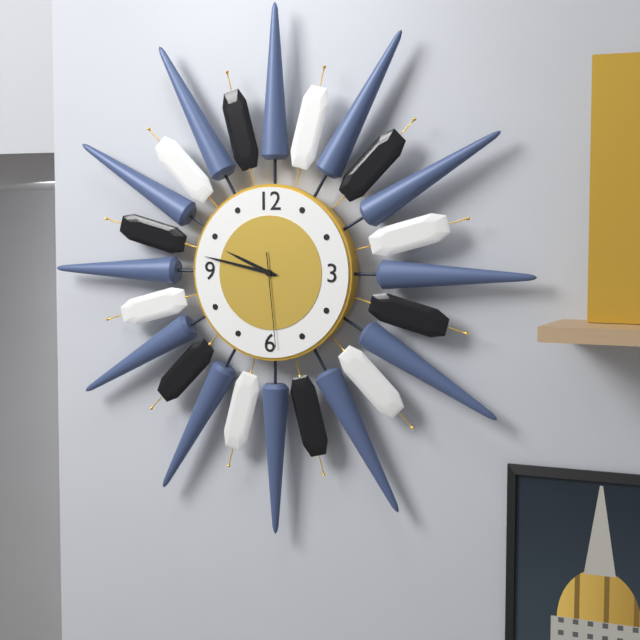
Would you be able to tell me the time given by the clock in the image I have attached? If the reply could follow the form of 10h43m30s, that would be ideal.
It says 9h47m29s
